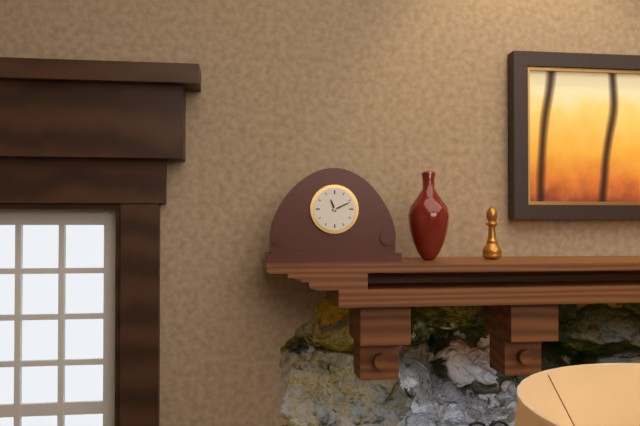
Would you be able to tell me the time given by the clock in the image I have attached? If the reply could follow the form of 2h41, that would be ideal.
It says 11h11
